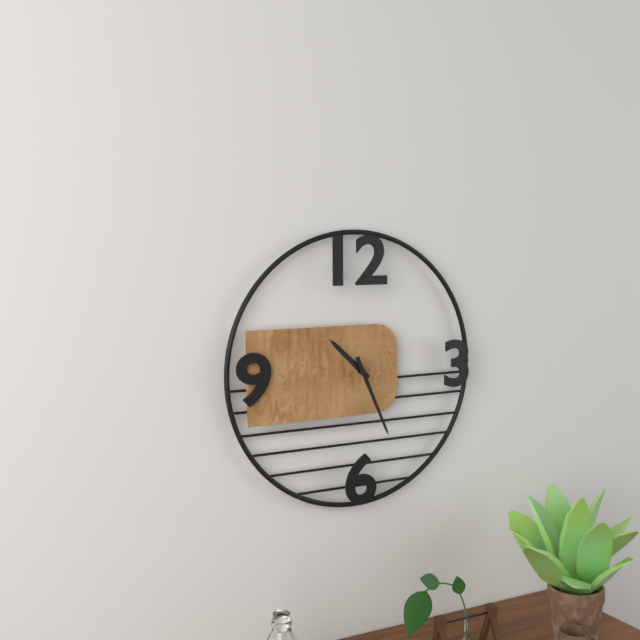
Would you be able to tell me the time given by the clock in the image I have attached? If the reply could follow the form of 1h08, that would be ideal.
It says 10h26
